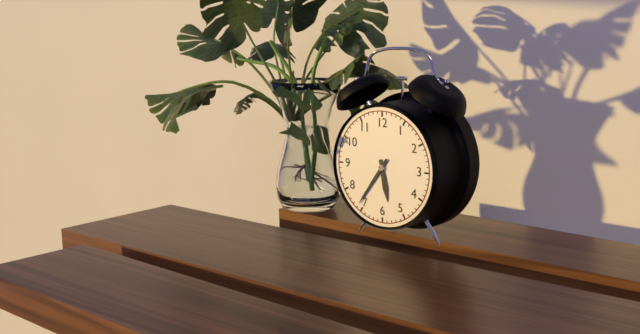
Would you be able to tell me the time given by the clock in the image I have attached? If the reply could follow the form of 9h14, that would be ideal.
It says 5h36
